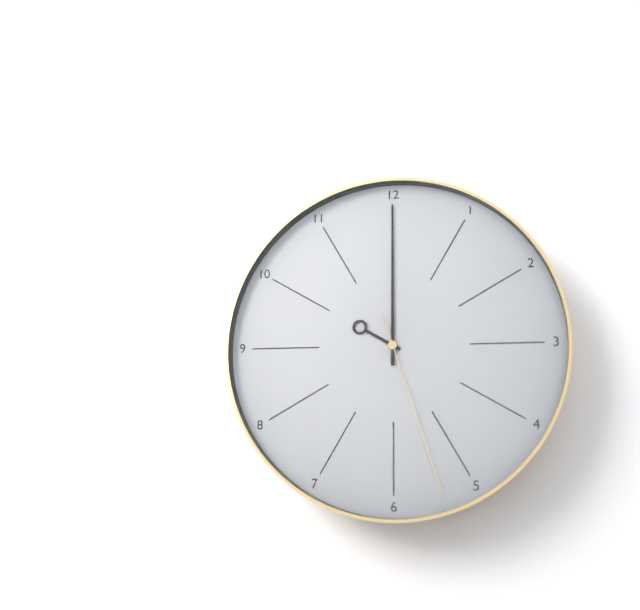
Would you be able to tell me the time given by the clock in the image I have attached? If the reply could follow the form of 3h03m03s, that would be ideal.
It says 10h00m27s
